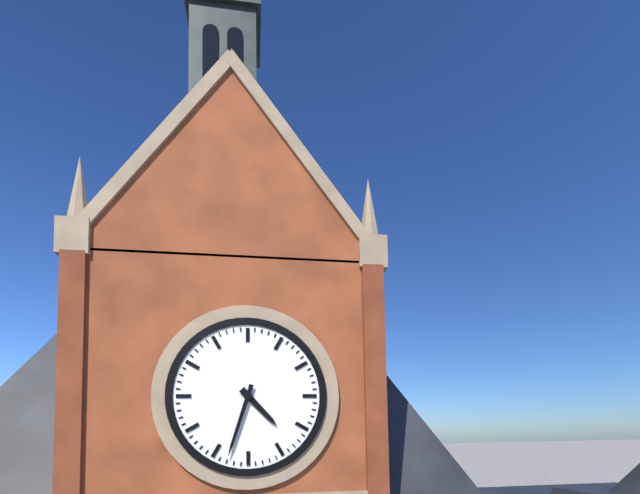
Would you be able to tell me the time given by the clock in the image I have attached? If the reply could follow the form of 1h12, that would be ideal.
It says 4h33
